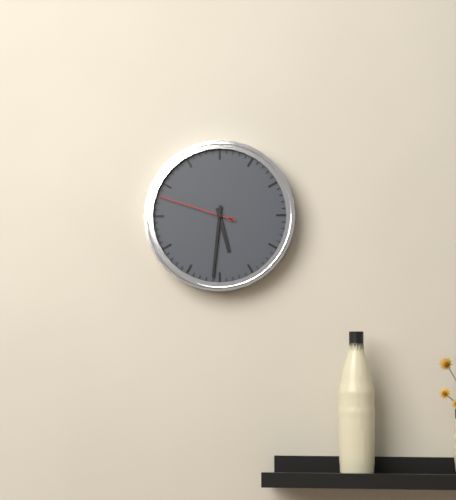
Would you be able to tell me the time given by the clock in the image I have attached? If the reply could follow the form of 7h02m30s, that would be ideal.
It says 5h31m48s
